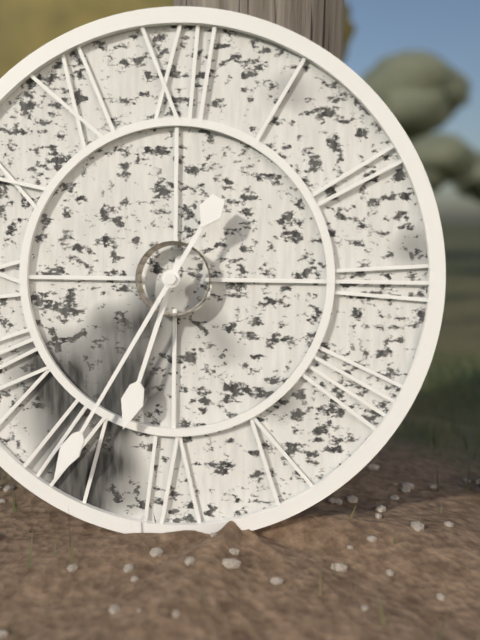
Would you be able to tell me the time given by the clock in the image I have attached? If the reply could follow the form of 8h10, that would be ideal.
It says 6h35
